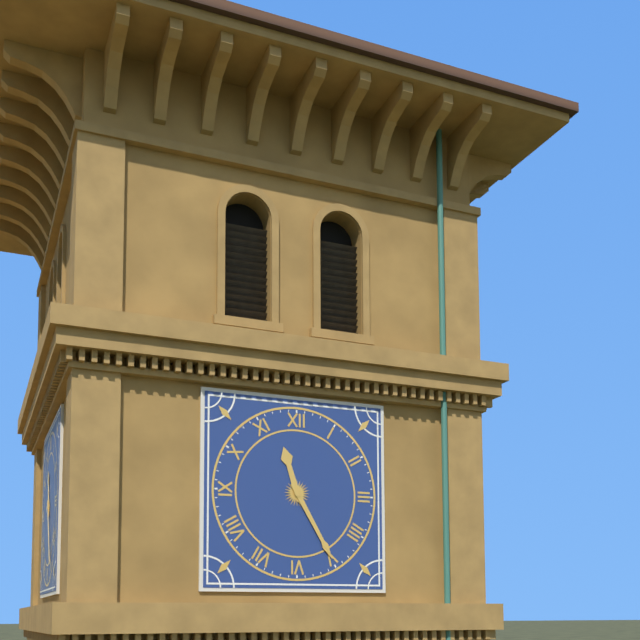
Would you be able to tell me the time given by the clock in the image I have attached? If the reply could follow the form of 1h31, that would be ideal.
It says 11h25
